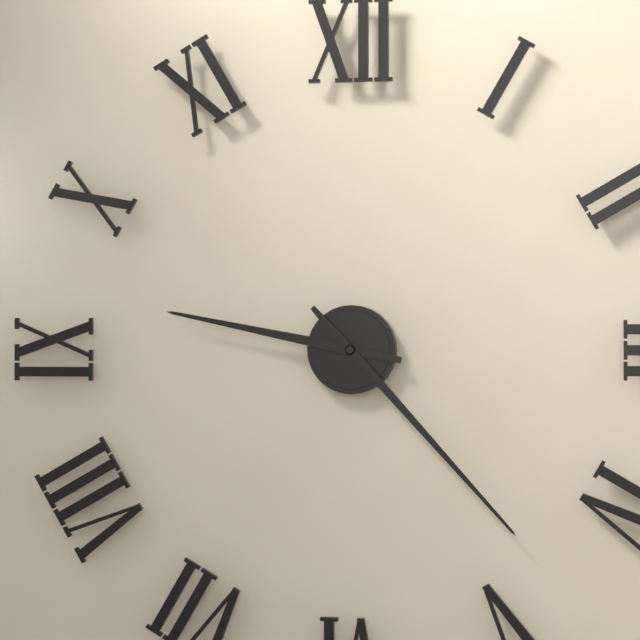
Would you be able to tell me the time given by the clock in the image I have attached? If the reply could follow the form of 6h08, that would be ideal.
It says 9h23
